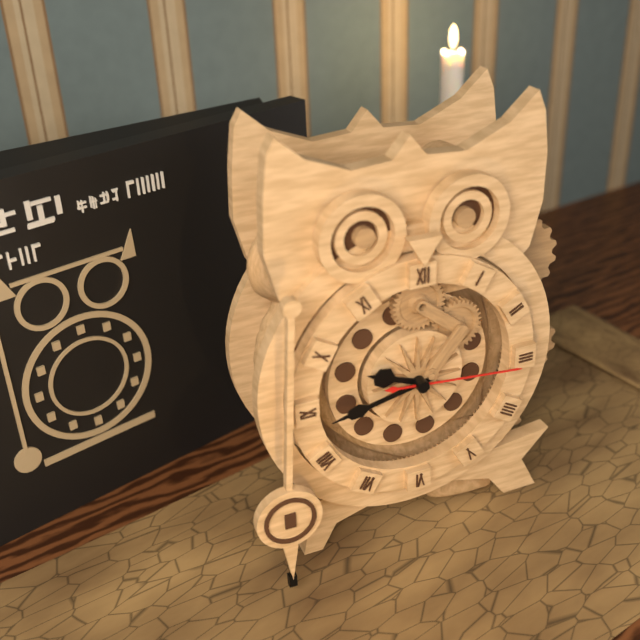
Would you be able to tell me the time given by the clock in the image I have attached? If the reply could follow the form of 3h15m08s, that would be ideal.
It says 9h43m16s
